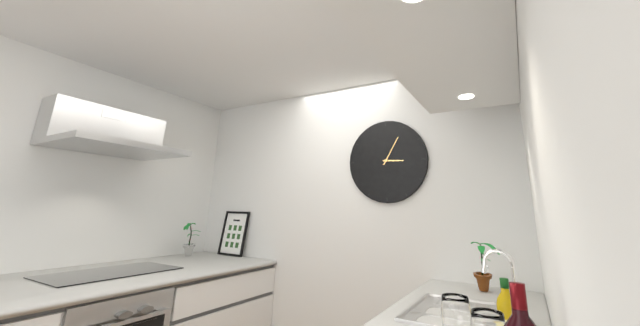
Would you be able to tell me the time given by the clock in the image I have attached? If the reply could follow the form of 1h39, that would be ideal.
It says 3h05
